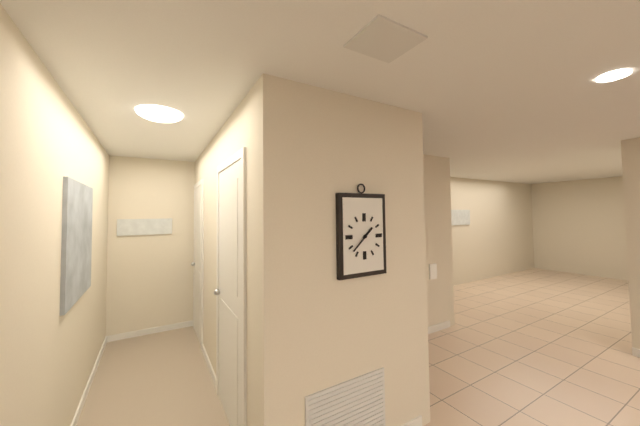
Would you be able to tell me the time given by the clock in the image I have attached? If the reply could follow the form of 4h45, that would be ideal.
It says 1h38
